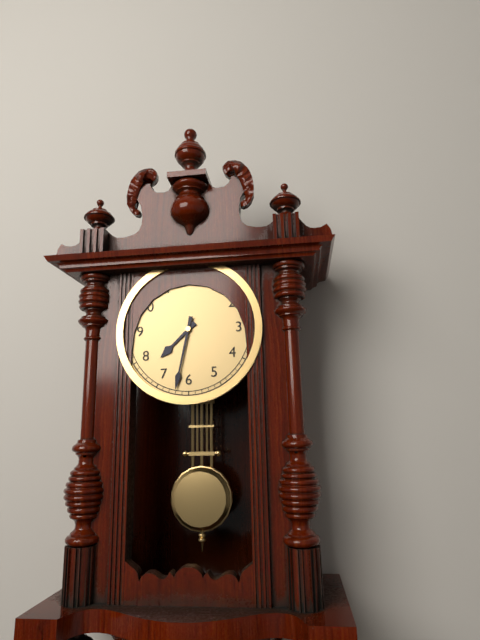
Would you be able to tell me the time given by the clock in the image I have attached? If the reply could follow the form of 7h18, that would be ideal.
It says 7h32
